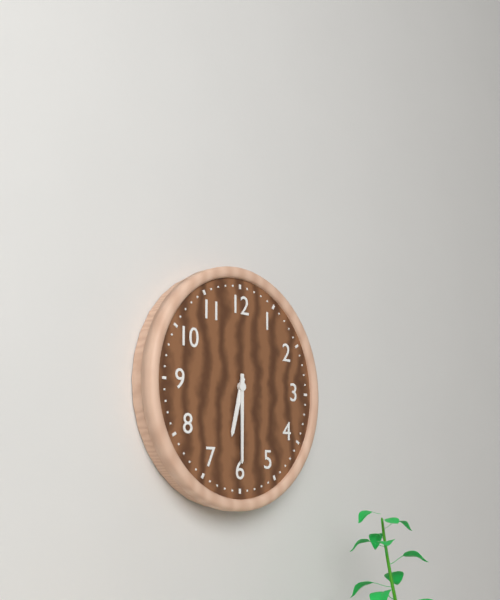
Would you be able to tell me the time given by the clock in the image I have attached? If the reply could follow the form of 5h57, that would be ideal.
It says 6h30
